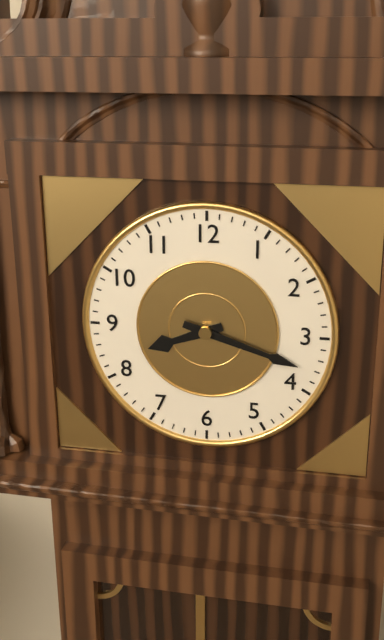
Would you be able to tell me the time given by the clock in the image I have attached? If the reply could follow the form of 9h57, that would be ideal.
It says 8h18
